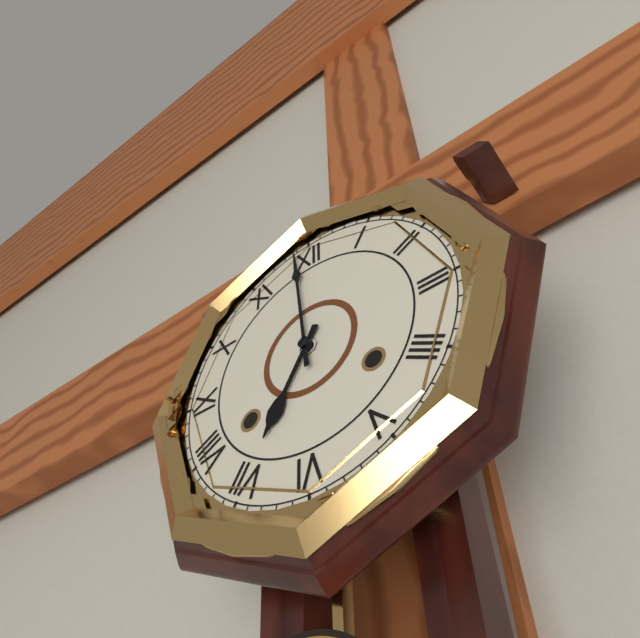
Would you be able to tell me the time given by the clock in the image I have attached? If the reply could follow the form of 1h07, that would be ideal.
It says 6h59
